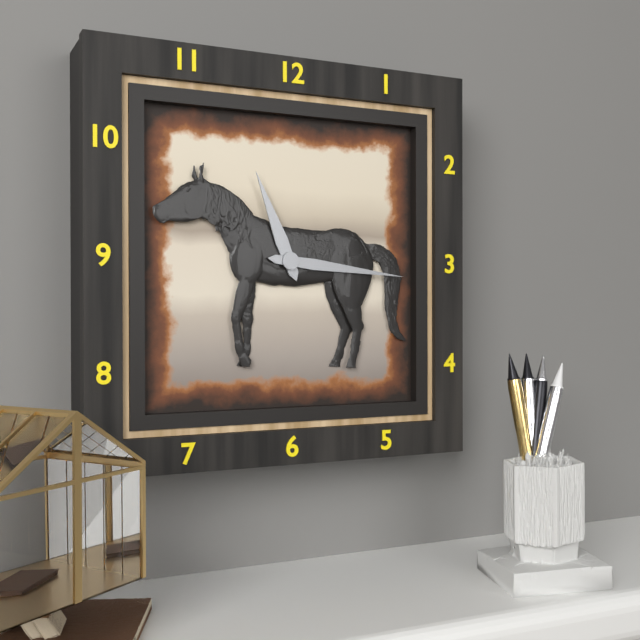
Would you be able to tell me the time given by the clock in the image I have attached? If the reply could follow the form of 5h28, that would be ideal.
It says 11h16
